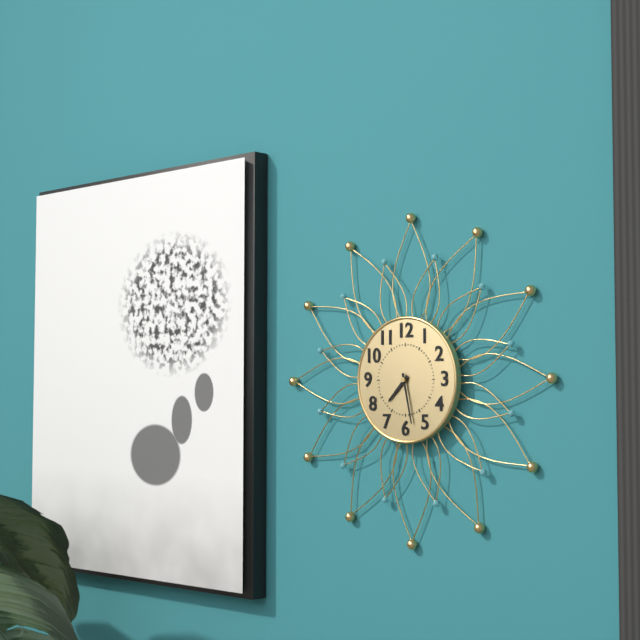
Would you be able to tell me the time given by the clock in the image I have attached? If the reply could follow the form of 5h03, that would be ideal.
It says 7h28
